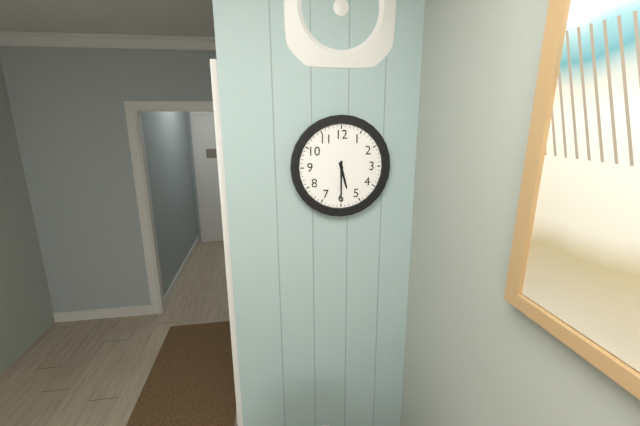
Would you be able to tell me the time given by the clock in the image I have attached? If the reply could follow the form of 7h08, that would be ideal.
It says 5h30
